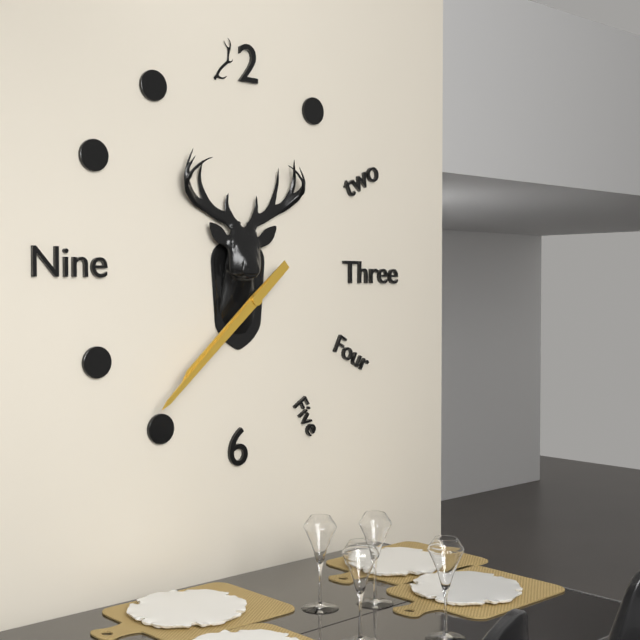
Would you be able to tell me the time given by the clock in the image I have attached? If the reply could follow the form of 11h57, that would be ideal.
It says 7h38
